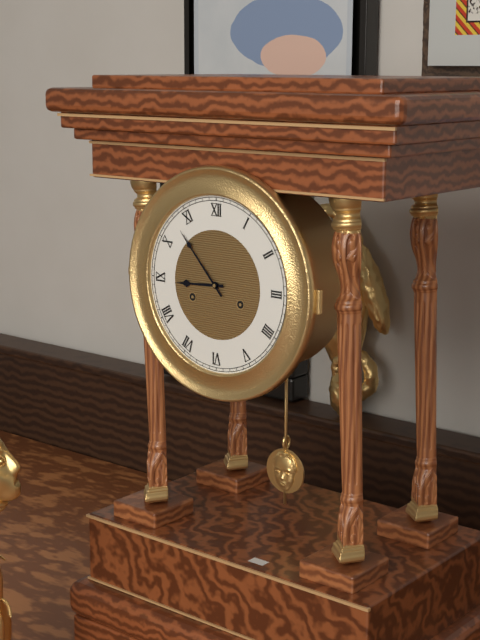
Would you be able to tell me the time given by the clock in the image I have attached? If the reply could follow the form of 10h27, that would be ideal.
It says 8h53
